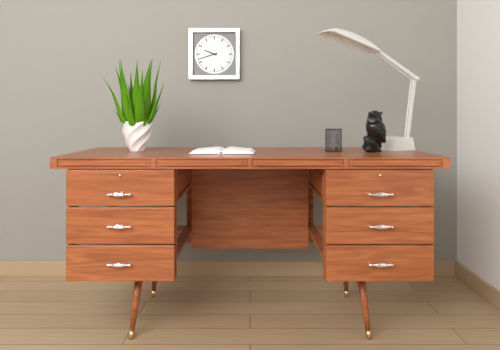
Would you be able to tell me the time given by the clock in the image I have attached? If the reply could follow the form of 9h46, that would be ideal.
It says 9h42
